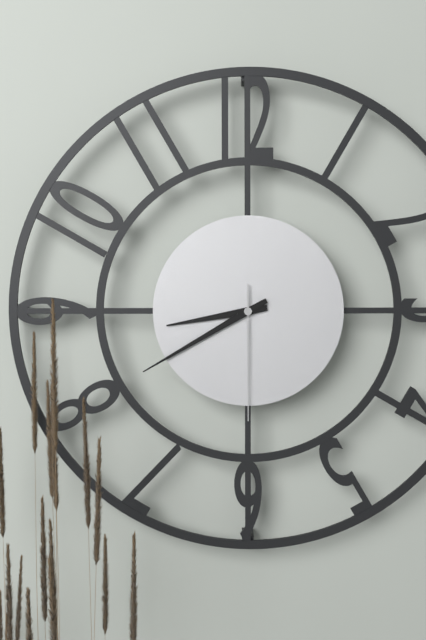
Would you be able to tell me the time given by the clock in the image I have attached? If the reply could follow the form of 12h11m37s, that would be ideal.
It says 8h40m30s
